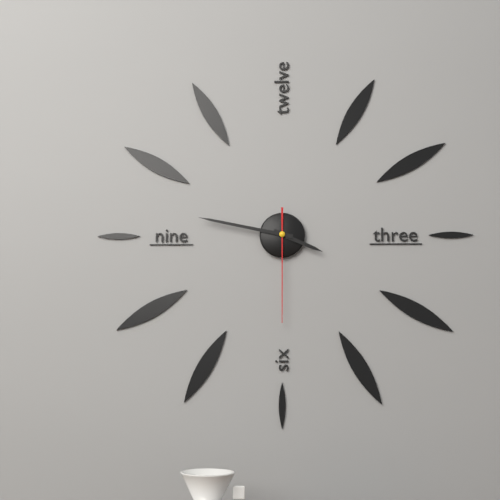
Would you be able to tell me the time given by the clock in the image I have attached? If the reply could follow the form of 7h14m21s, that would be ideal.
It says 3h47m30s
